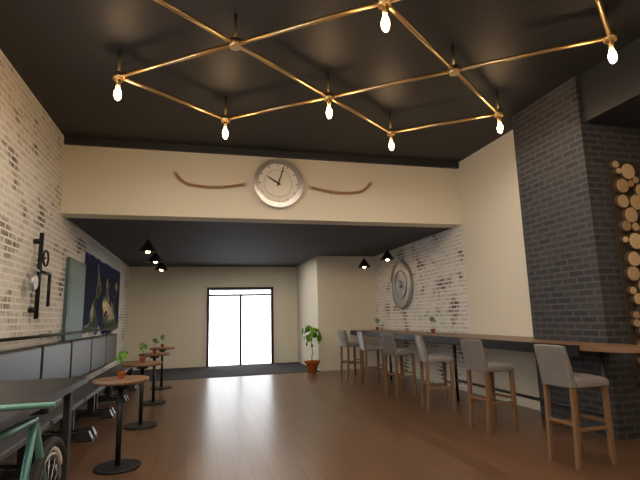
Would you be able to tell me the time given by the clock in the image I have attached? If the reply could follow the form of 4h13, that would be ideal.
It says 10h03
